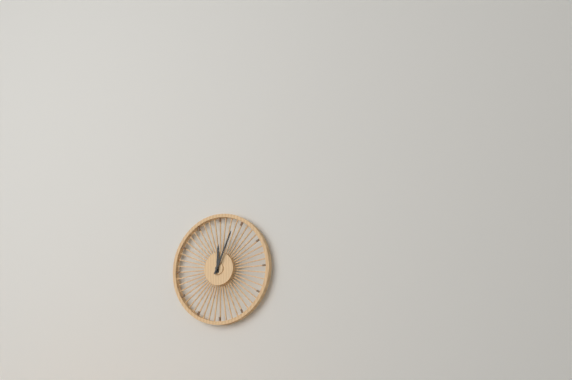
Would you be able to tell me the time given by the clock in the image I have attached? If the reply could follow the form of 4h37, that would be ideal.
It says 12h04
